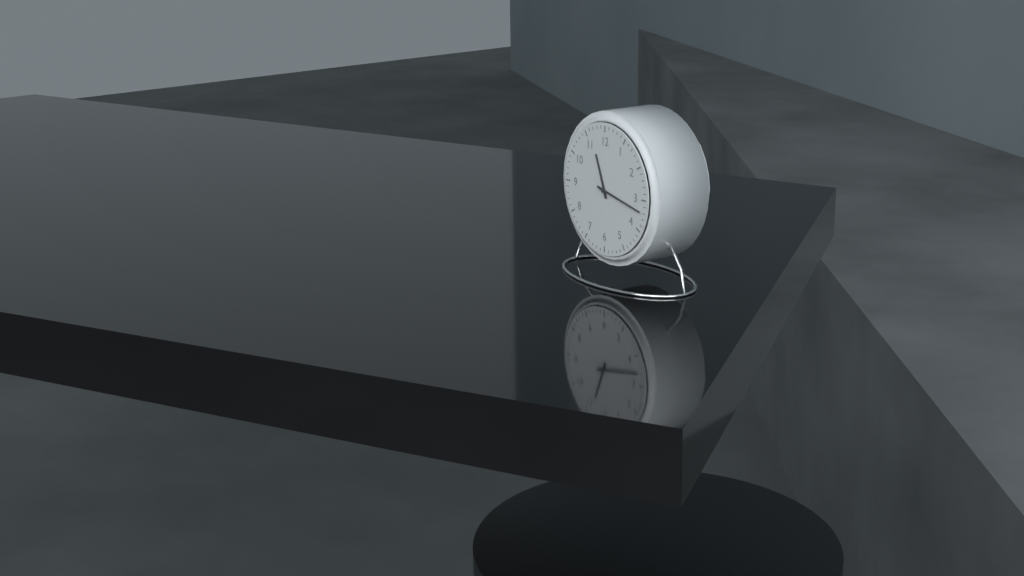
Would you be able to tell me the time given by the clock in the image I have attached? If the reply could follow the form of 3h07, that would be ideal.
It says 11h17
